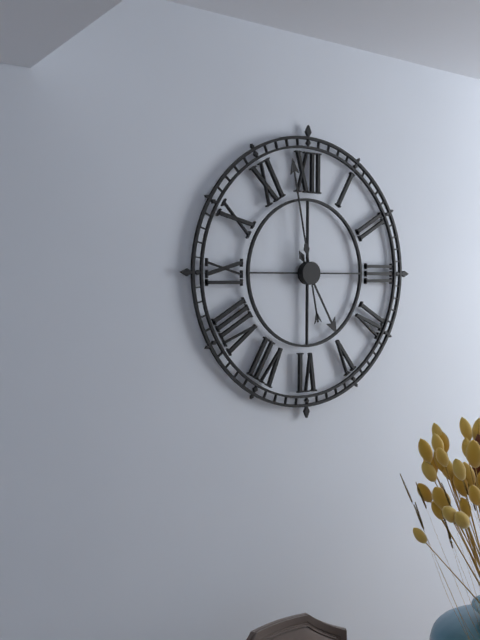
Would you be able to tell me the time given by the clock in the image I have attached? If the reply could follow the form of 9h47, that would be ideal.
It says 4h58
